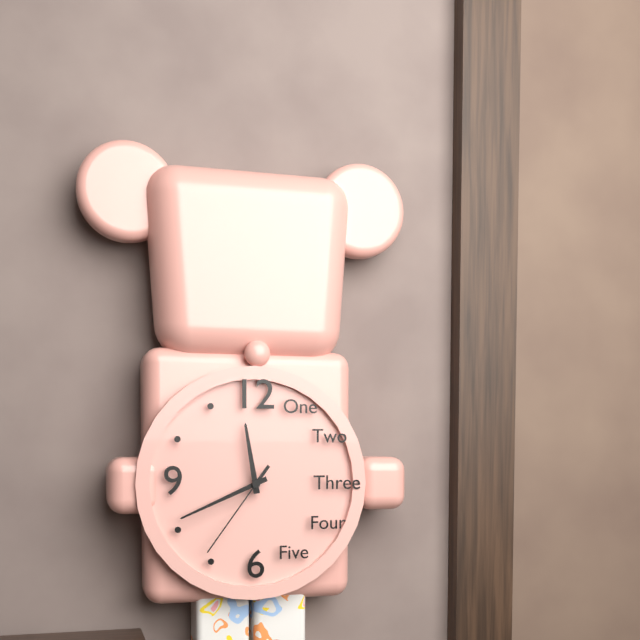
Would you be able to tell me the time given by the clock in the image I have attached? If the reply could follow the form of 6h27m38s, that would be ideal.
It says 11h41m36s
